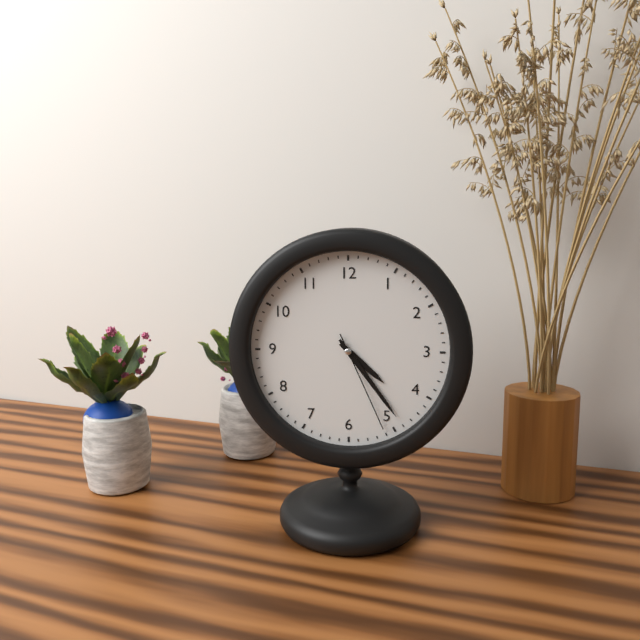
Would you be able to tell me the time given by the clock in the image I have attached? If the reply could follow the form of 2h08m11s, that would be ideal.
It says 4h24m26s
